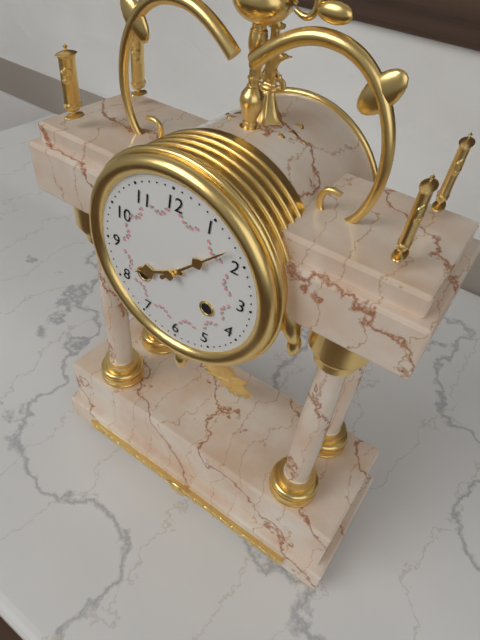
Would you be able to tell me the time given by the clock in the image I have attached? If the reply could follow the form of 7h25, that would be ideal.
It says 8h08
